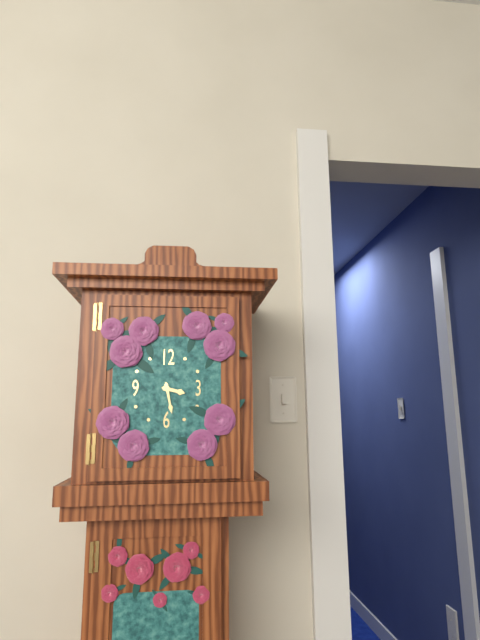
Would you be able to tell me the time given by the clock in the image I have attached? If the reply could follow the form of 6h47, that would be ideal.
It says 3h28
